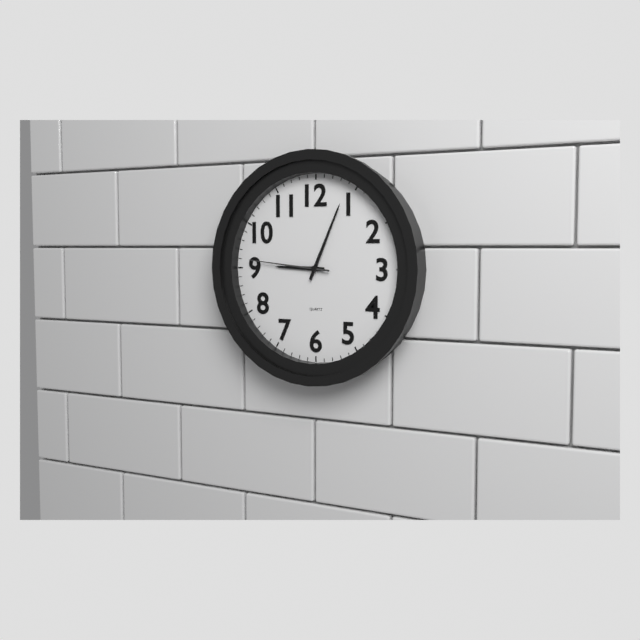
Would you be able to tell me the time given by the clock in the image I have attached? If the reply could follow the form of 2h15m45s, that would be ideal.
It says 9h04m46s
